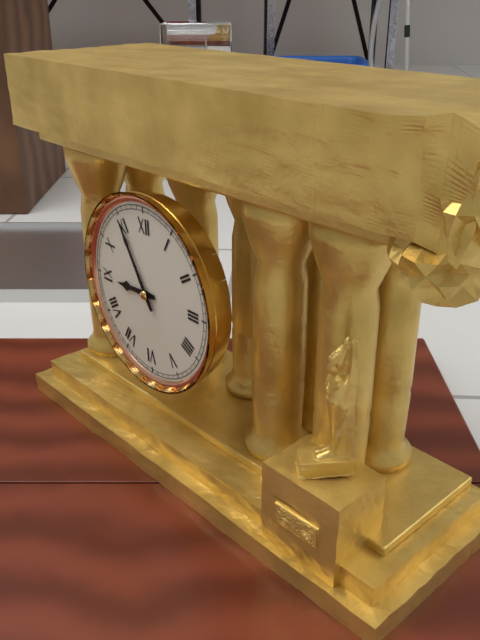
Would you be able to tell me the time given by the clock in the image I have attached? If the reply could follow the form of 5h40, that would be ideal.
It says 8h55
